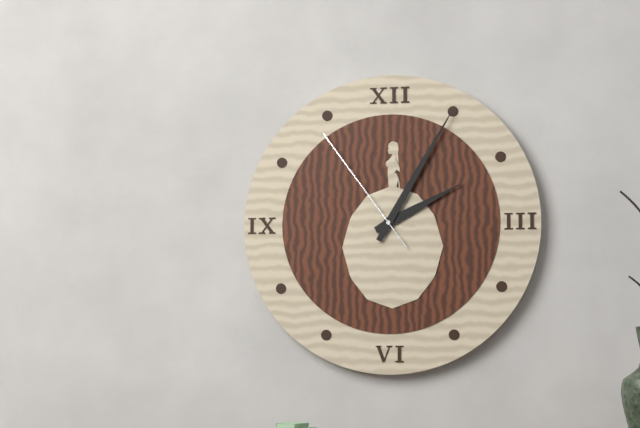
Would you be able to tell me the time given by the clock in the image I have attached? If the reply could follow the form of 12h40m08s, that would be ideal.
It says 2h05m54s
